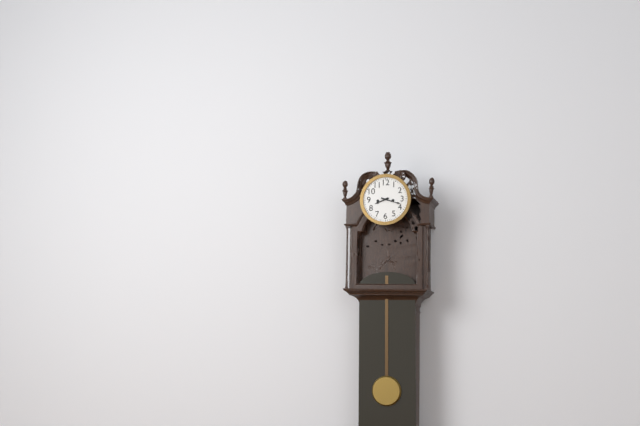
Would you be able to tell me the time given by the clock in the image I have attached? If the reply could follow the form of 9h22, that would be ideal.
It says 8h18
